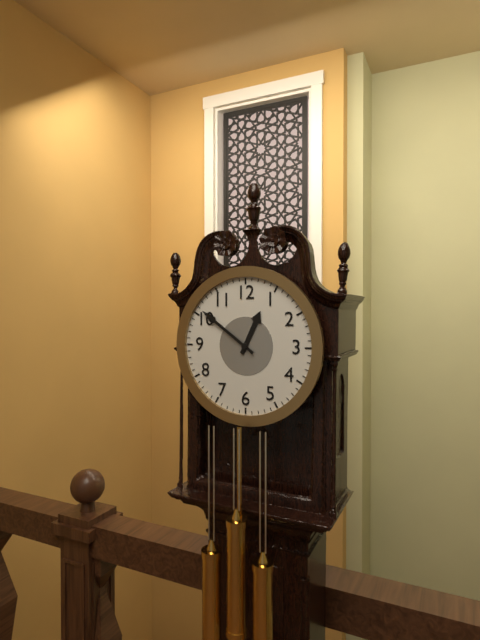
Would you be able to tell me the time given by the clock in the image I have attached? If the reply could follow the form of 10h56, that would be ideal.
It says 12h51
